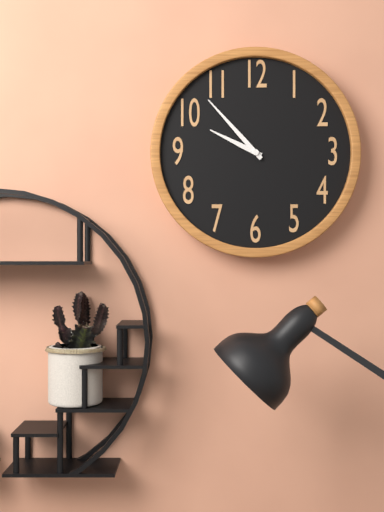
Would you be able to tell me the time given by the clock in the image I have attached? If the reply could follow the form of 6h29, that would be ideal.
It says 9h53
